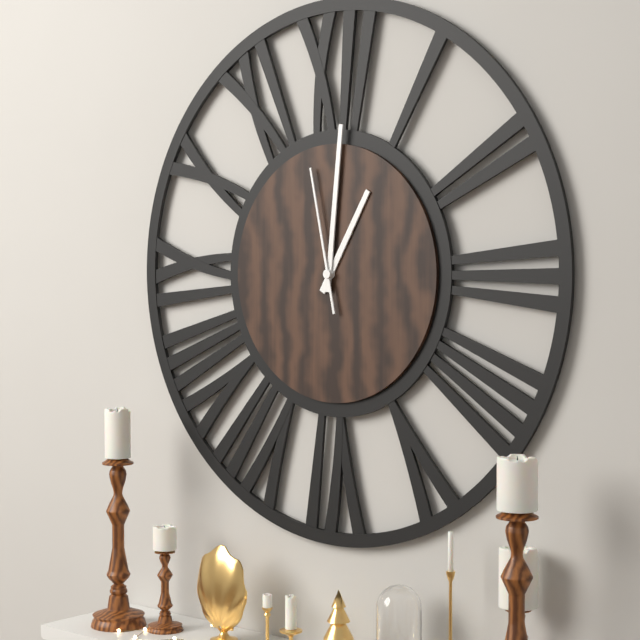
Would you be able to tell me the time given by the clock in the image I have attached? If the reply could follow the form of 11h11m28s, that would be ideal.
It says 1h01m58s
